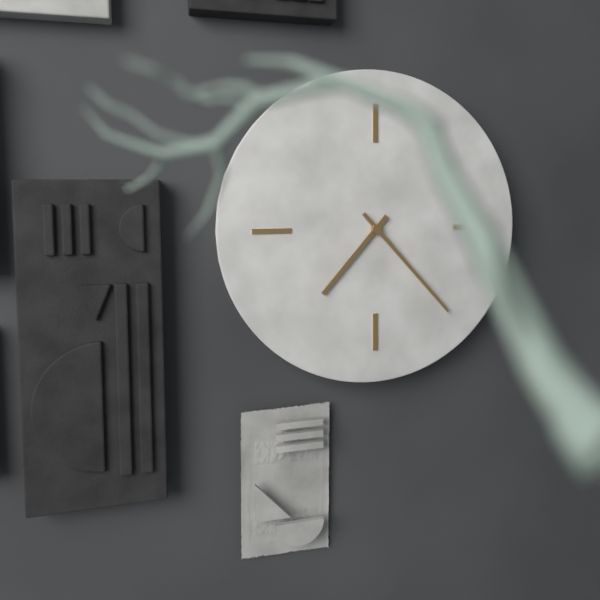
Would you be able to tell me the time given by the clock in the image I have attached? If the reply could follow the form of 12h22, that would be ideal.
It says 7h23
